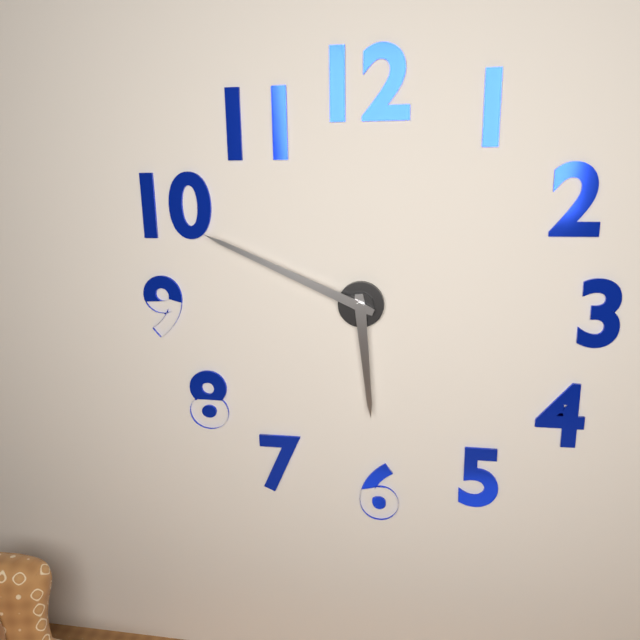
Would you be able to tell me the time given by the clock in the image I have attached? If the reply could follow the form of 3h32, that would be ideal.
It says 5h49
